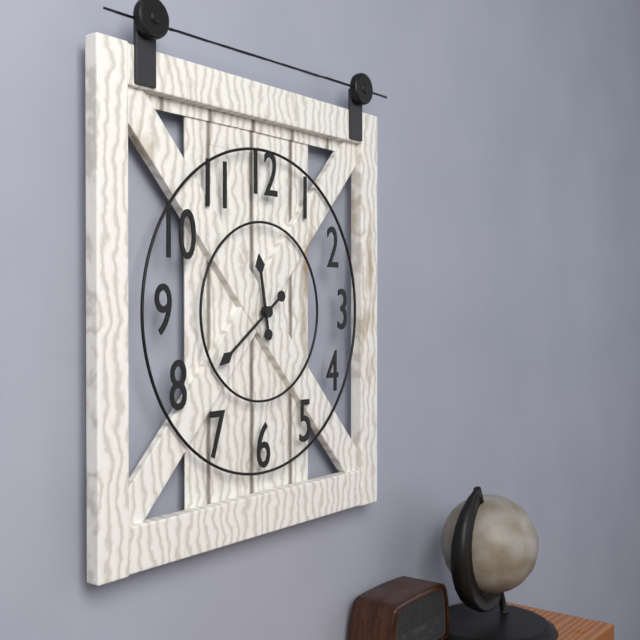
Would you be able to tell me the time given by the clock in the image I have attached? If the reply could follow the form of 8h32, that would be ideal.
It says 11h39
